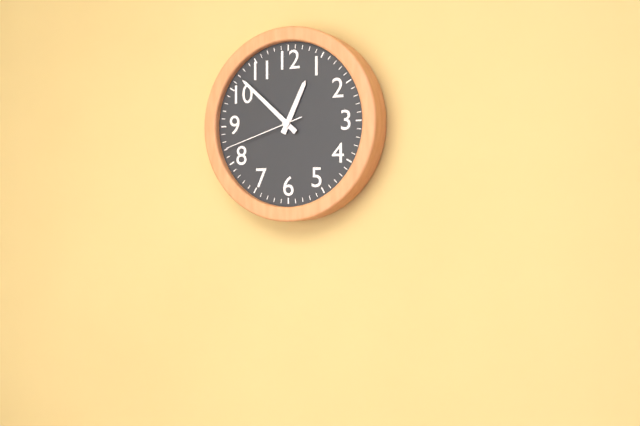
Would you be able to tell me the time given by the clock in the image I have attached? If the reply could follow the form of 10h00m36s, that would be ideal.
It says 12h52m42s
